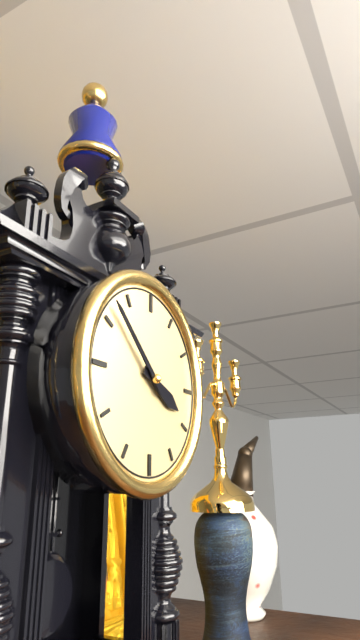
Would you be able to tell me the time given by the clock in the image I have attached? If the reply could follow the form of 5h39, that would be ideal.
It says 3h52
